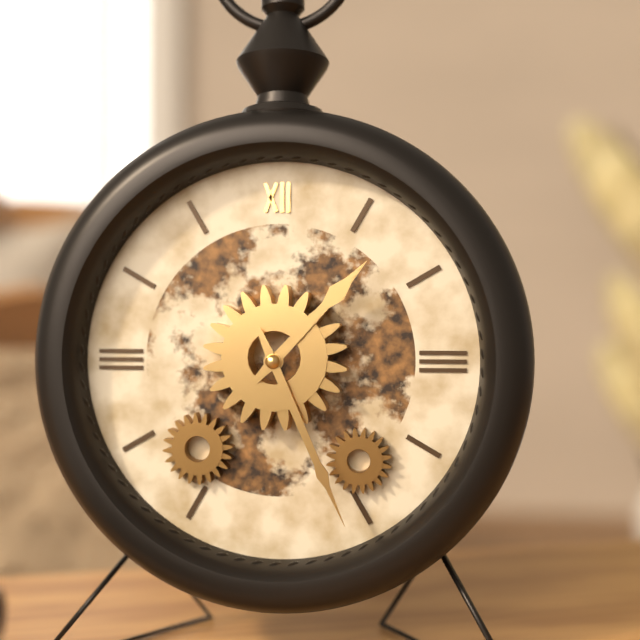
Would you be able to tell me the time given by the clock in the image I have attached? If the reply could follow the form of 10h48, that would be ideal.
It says 1h26
